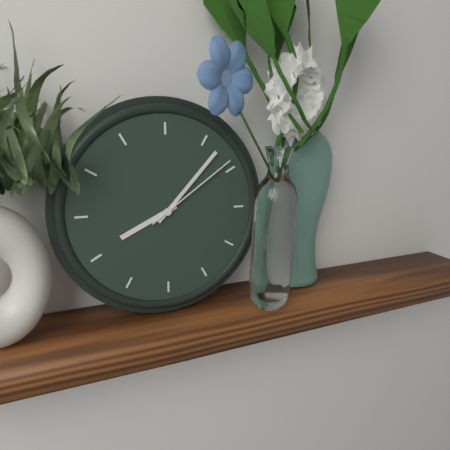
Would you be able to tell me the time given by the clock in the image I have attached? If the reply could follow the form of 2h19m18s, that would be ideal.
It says 8h07m09s
